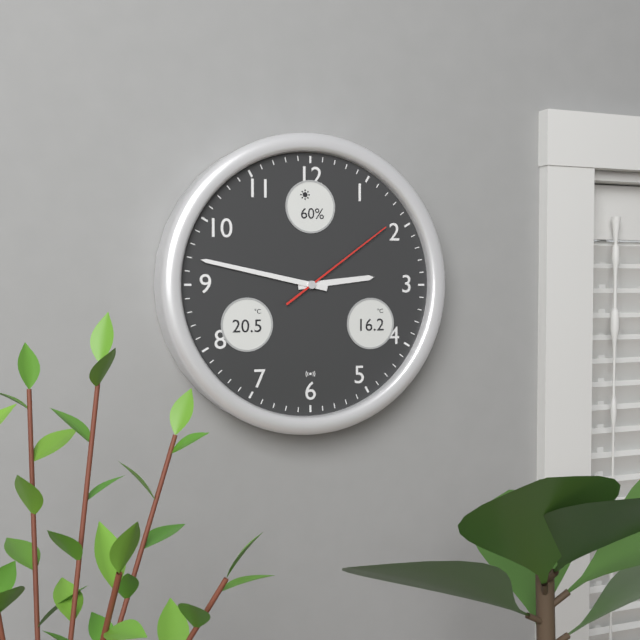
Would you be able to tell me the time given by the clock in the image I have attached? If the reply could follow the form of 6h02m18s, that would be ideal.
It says 2h47m09s
